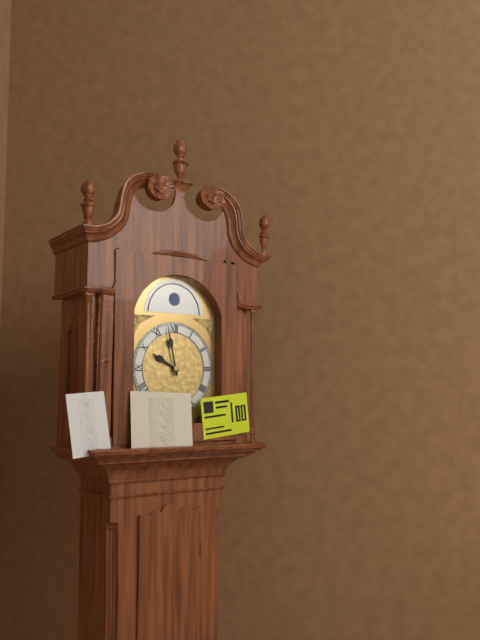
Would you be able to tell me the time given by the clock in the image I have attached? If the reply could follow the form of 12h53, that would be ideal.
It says 9h58
